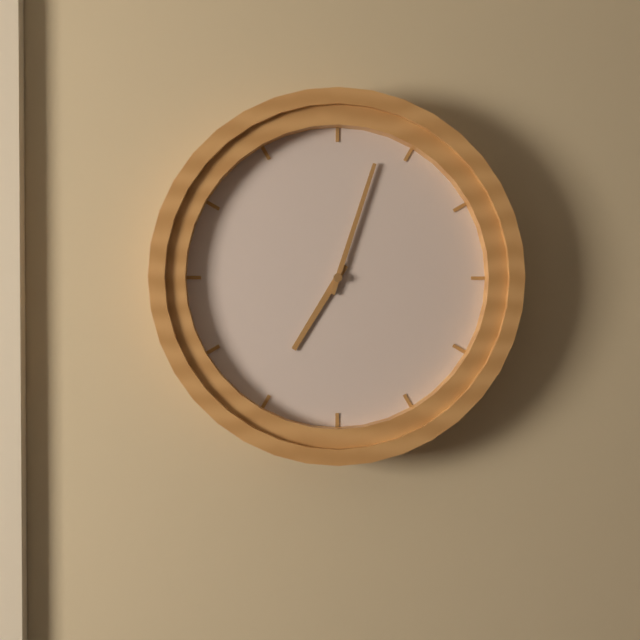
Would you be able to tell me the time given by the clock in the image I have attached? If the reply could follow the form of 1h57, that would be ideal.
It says 7h03
